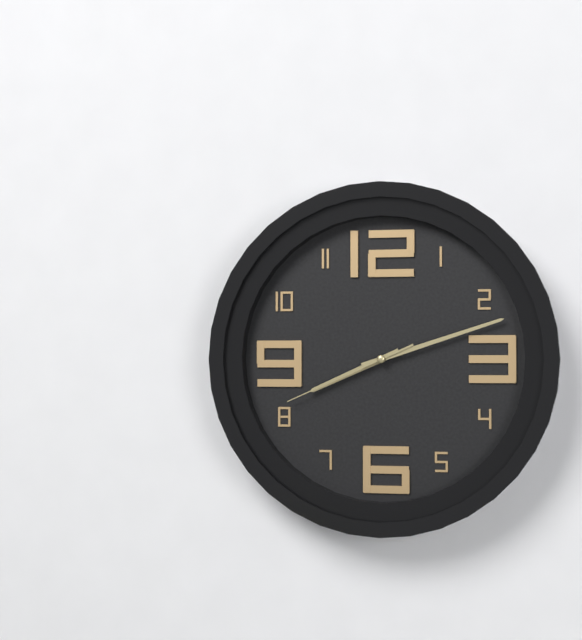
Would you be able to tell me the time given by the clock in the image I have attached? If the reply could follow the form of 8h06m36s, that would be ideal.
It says 8h12m41s
